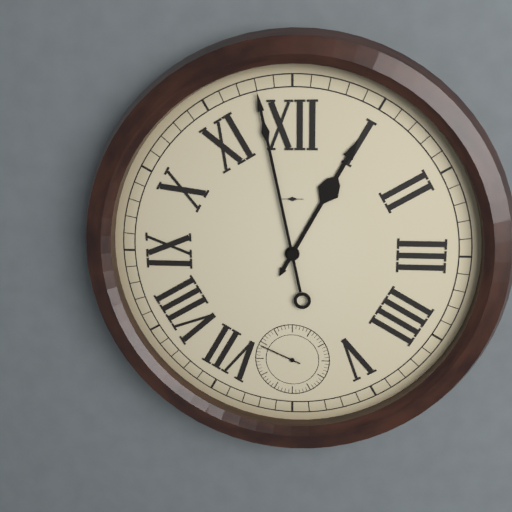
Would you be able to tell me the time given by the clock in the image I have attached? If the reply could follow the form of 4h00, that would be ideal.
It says 12h58
